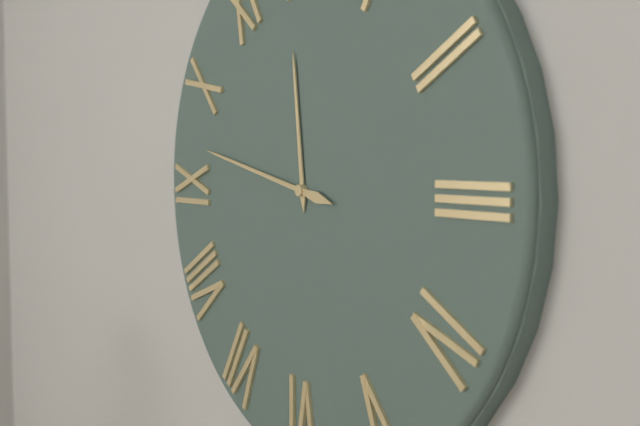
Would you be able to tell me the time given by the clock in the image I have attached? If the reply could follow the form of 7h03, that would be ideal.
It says 11h47
